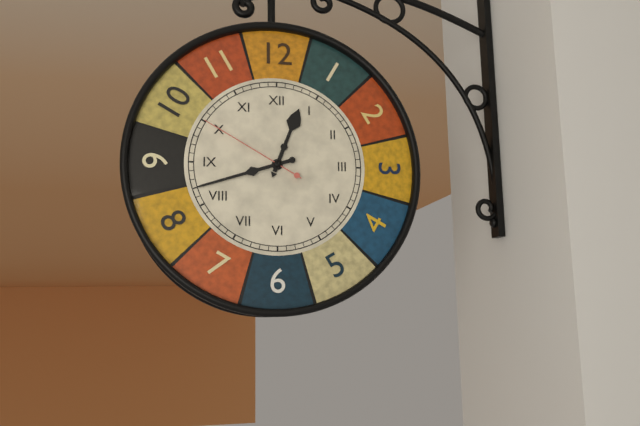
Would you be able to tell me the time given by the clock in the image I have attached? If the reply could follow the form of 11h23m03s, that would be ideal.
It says 12h42m50s
